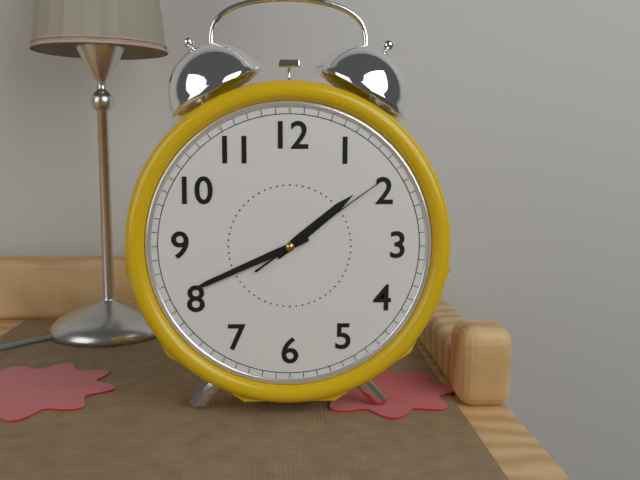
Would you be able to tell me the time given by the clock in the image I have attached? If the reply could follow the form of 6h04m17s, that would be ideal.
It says 1h41m09s
